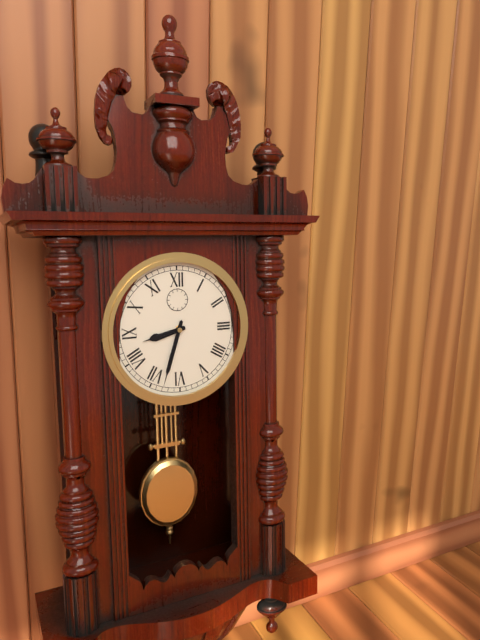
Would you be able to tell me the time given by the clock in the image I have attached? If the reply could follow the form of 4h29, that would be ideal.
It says 8h33
